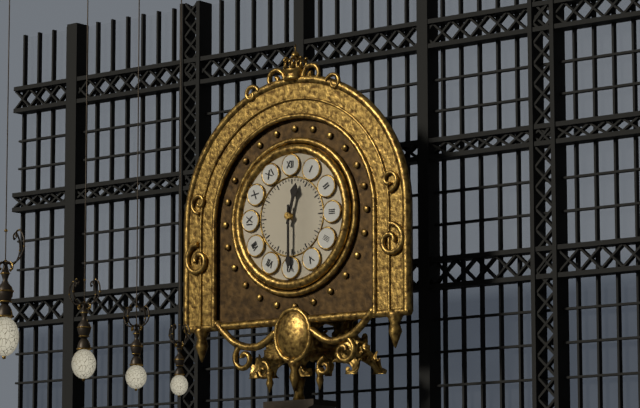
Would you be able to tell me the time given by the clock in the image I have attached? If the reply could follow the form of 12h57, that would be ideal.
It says 12h30
